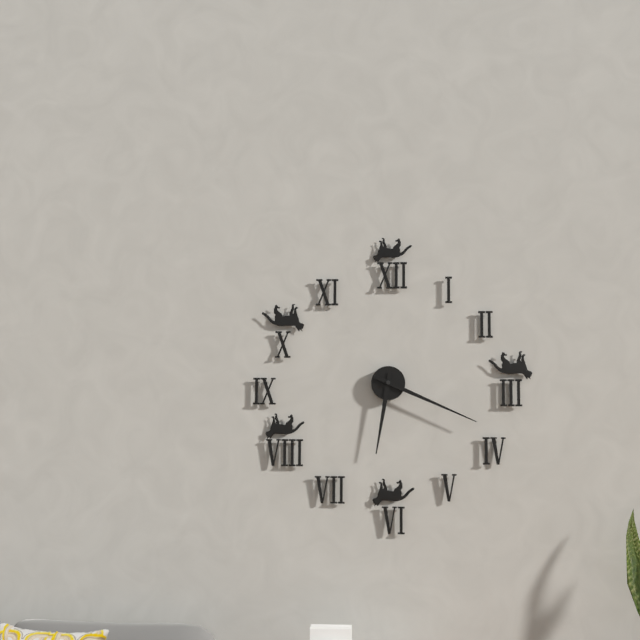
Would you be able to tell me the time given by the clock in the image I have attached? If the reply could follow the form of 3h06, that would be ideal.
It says 6h19
